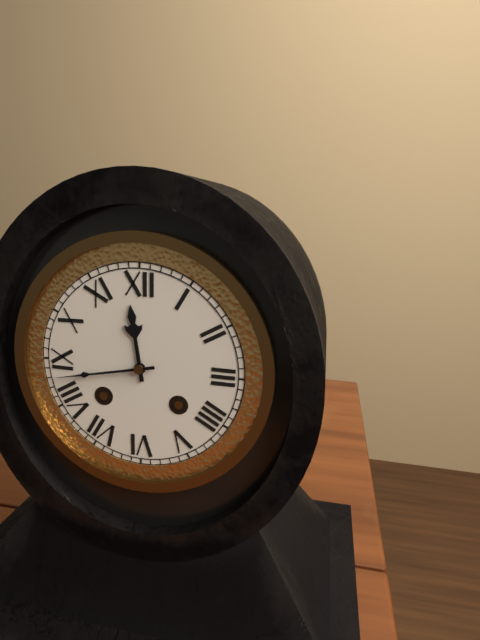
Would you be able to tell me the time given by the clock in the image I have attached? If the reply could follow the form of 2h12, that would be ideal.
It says 11h43
